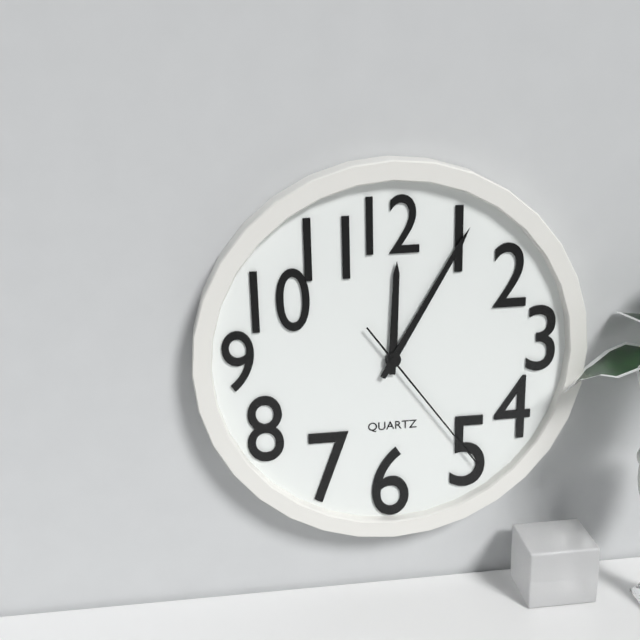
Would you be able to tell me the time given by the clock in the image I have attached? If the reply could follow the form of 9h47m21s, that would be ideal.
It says 12h05m24s
